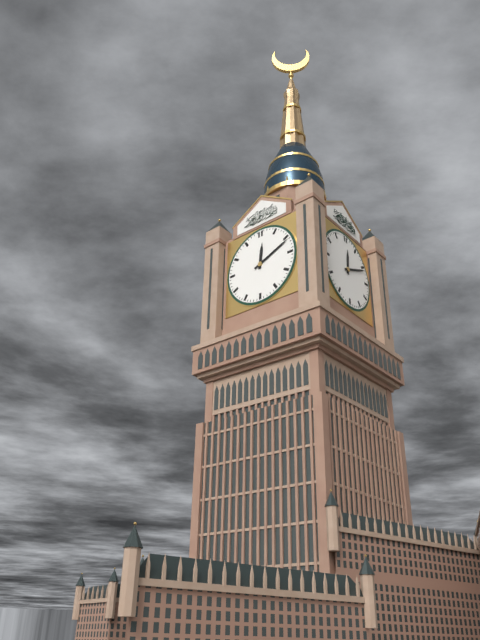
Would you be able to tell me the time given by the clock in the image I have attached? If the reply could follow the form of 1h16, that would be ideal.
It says 12h11
